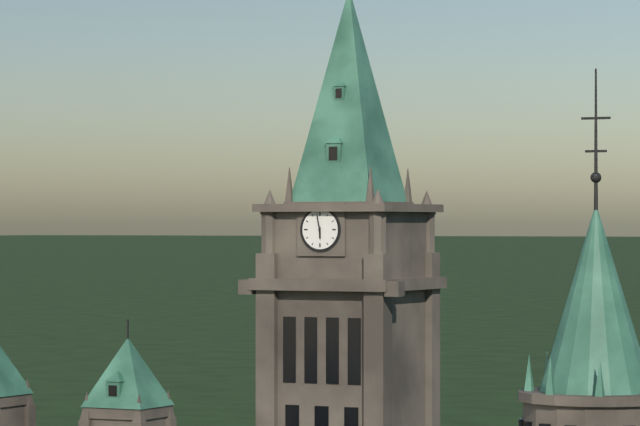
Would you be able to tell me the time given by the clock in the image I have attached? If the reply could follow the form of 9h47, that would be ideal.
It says 5h58
